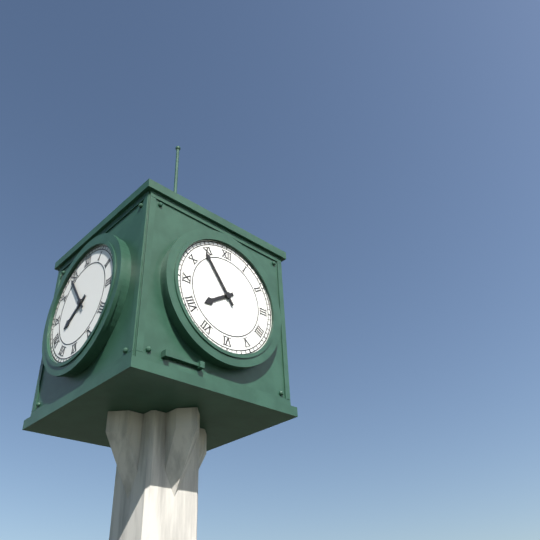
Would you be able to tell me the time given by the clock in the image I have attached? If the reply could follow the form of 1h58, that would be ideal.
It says 7h54
